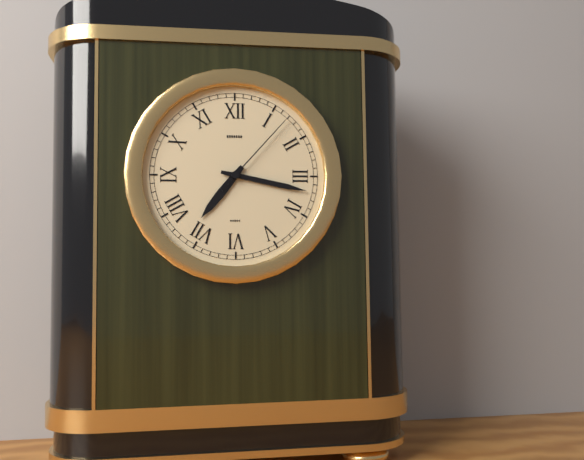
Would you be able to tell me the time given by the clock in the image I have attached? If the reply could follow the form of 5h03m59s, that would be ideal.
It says 7h17m07s
